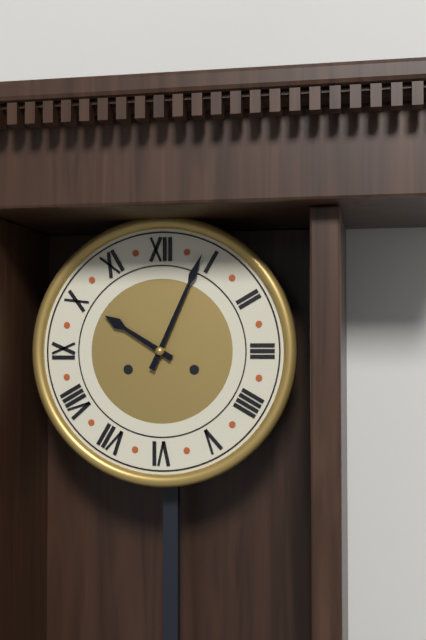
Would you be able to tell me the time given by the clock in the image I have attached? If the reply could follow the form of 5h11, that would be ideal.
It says 10h04
